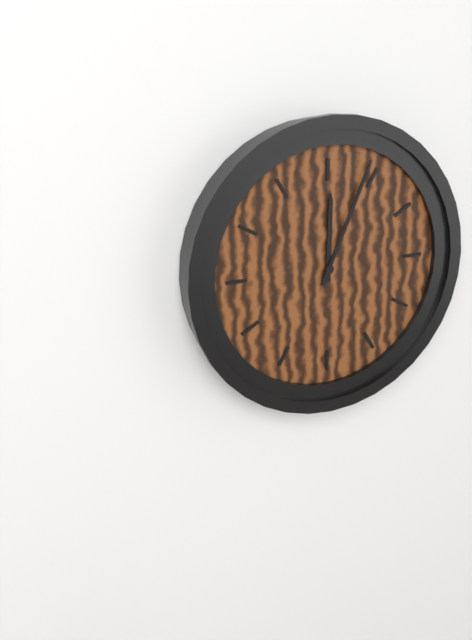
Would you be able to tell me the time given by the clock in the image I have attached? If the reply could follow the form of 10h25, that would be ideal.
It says 12h04
